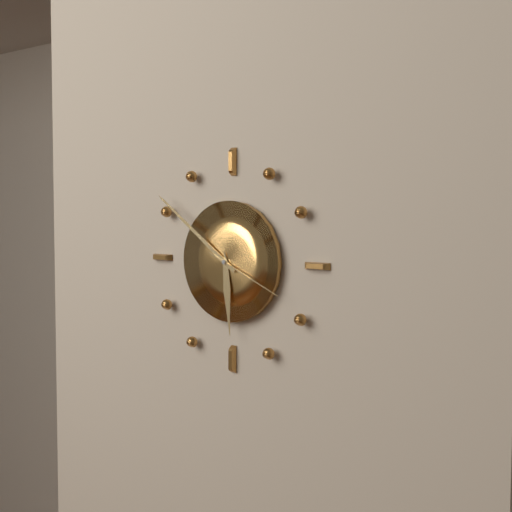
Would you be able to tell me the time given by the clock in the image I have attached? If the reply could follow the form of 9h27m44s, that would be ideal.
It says 5h51m19s
